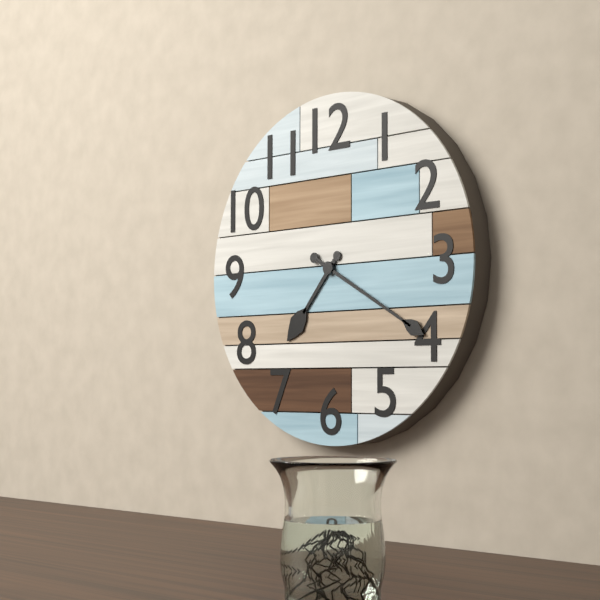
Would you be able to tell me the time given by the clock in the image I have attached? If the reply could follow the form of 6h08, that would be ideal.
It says 7h20
